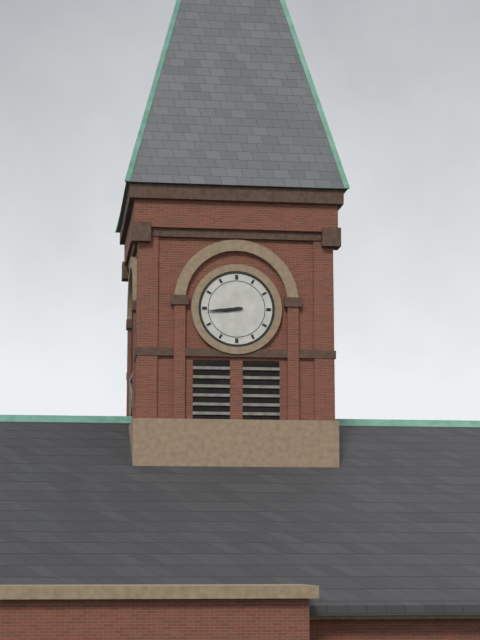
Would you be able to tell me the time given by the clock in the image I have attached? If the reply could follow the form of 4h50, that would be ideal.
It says 8h44
